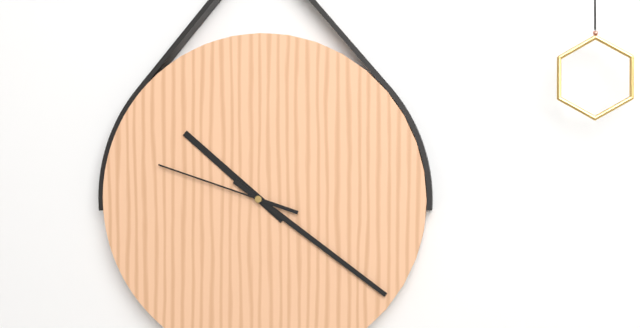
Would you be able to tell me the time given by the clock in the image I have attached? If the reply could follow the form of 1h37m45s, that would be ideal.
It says 10h21m48s
